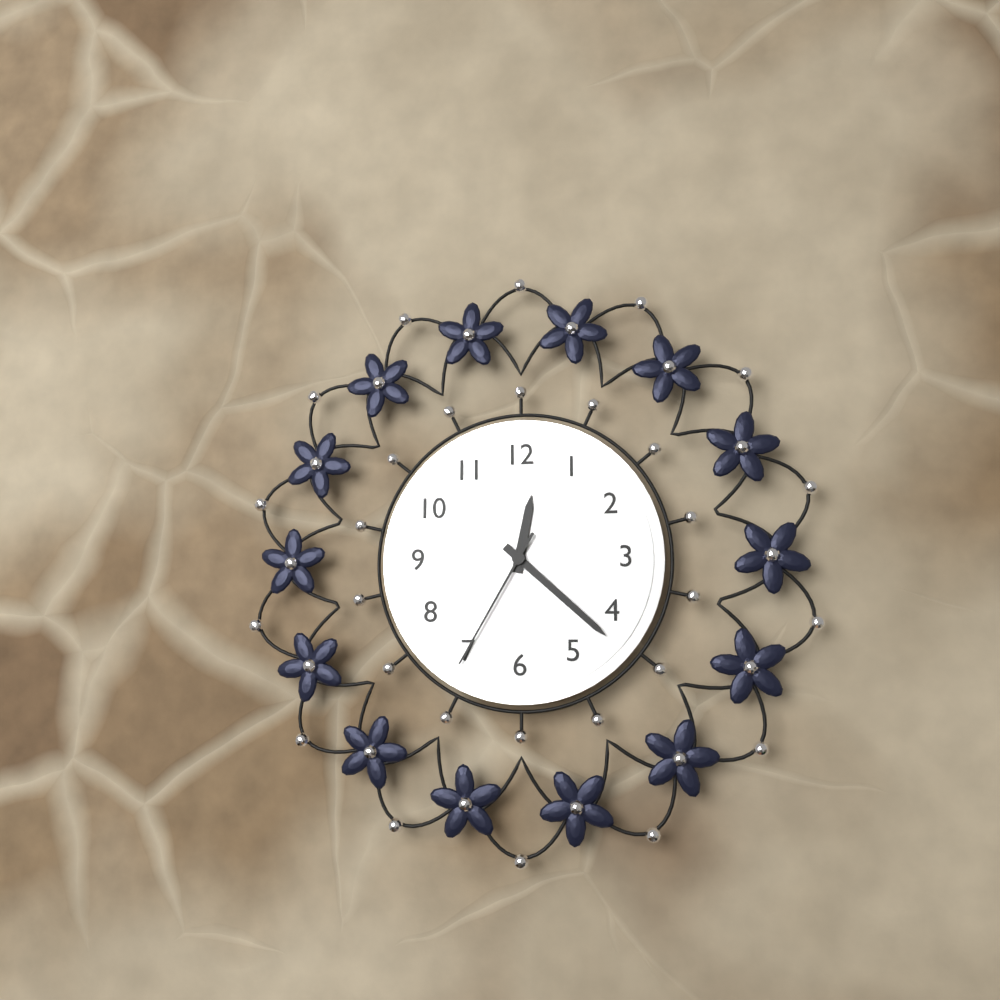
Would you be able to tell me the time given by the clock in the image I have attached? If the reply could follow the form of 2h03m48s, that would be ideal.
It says 12h22m35s
